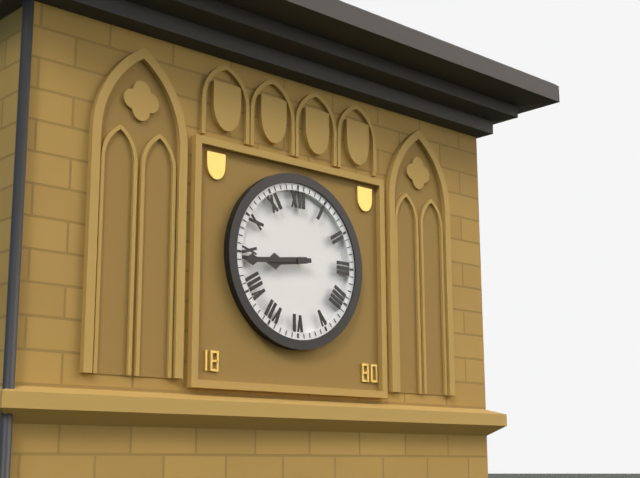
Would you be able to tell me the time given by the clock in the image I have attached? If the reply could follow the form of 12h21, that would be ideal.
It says 8h44
